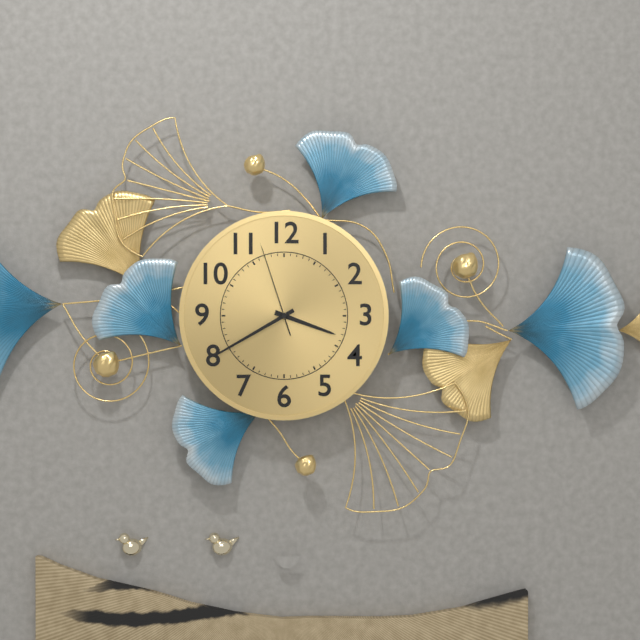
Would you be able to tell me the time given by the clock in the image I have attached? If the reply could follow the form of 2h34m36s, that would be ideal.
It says 3h40m57s
